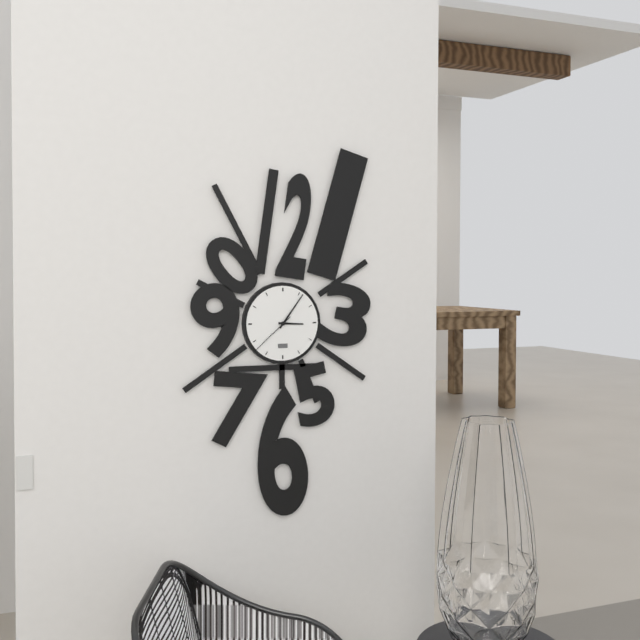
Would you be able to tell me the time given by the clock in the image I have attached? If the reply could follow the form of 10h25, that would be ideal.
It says 3h06
